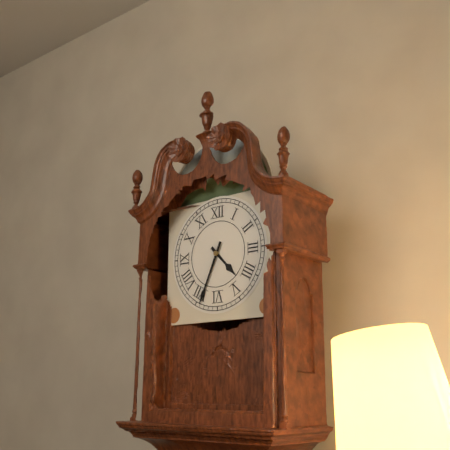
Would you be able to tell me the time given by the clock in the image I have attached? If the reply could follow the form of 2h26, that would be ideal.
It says 4h34
